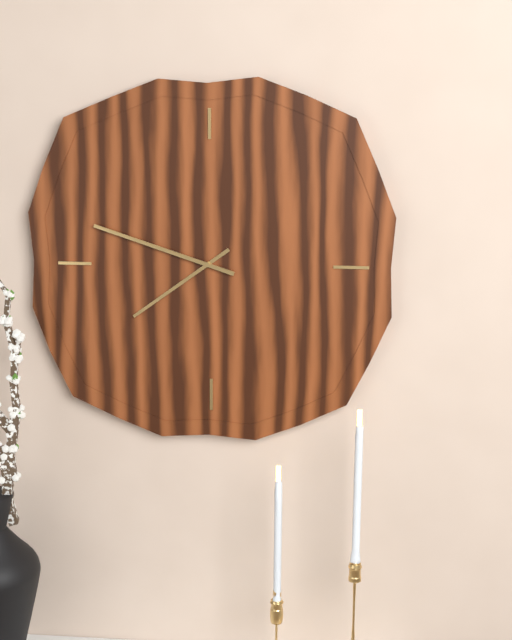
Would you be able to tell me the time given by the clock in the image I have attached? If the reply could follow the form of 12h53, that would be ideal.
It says 7h48
